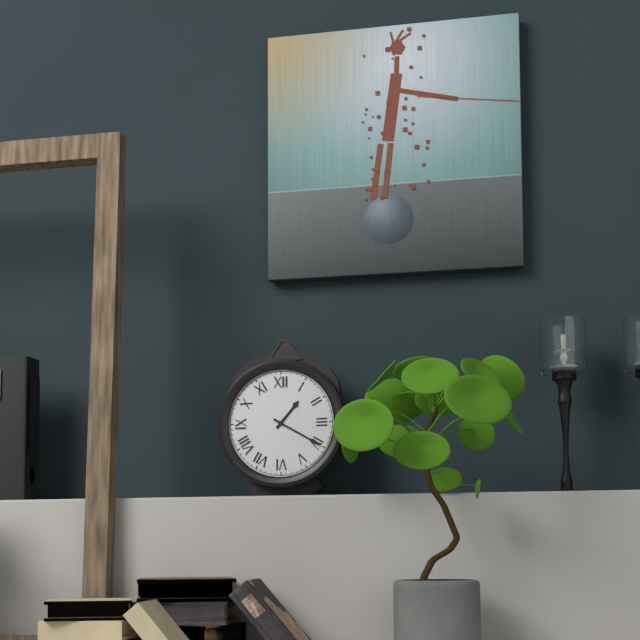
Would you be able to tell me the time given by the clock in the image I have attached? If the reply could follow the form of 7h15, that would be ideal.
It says 1h20
